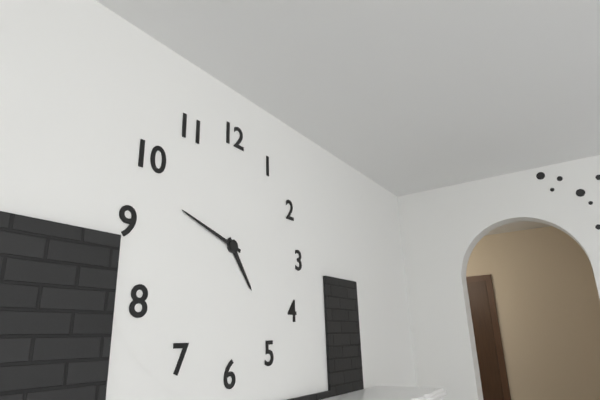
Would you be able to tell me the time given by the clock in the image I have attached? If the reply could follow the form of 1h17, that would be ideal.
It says 4h48
